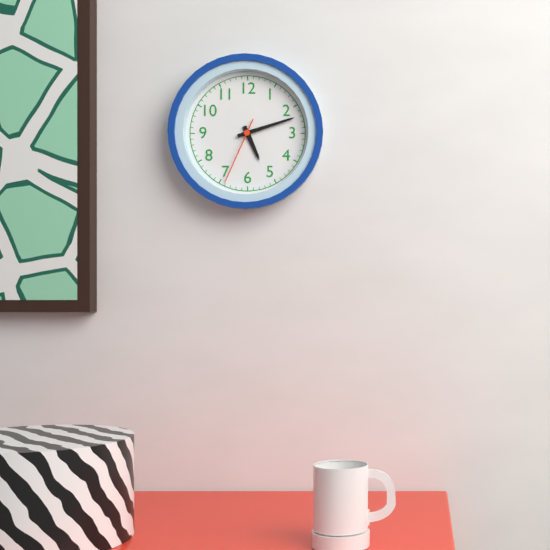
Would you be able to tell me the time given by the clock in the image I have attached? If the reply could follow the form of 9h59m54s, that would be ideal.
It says 5h12m34s
